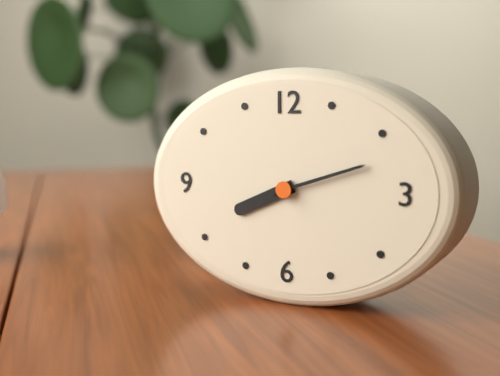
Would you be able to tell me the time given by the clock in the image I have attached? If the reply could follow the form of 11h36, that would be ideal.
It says 8h12
